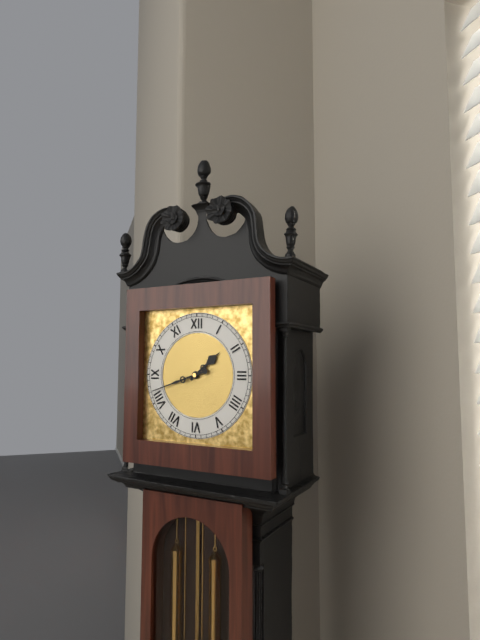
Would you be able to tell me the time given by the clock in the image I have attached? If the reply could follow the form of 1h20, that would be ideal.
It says 1h42
